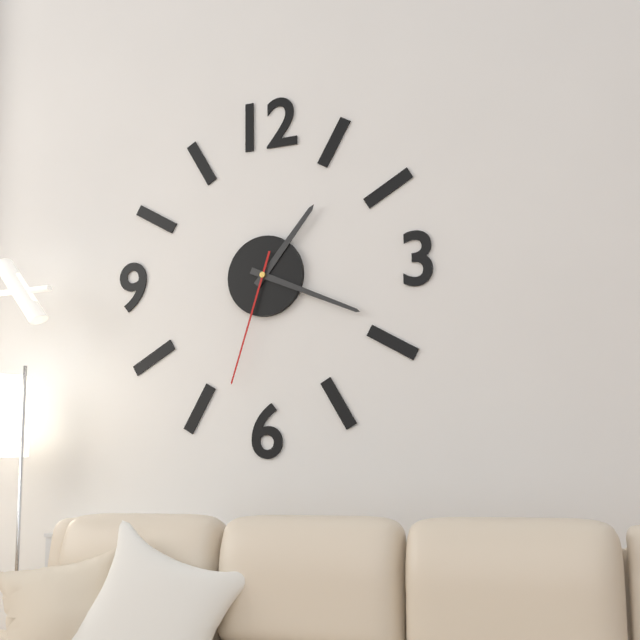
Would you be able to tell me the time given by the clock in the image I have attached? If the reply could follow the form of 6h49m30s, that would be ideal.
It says 1h19m33s
